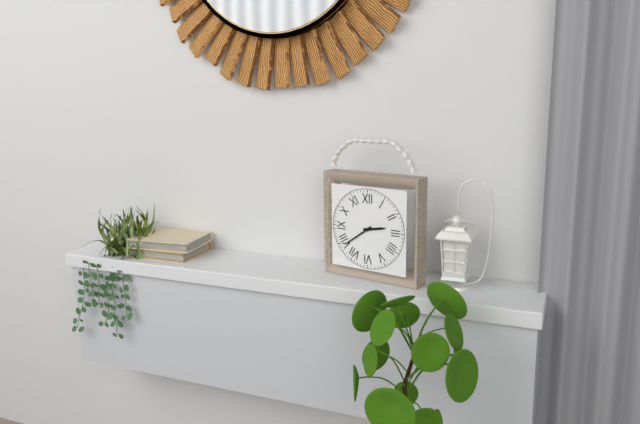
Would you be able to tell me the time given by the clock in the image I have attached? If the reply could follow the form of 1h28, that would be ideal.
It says 2h39
